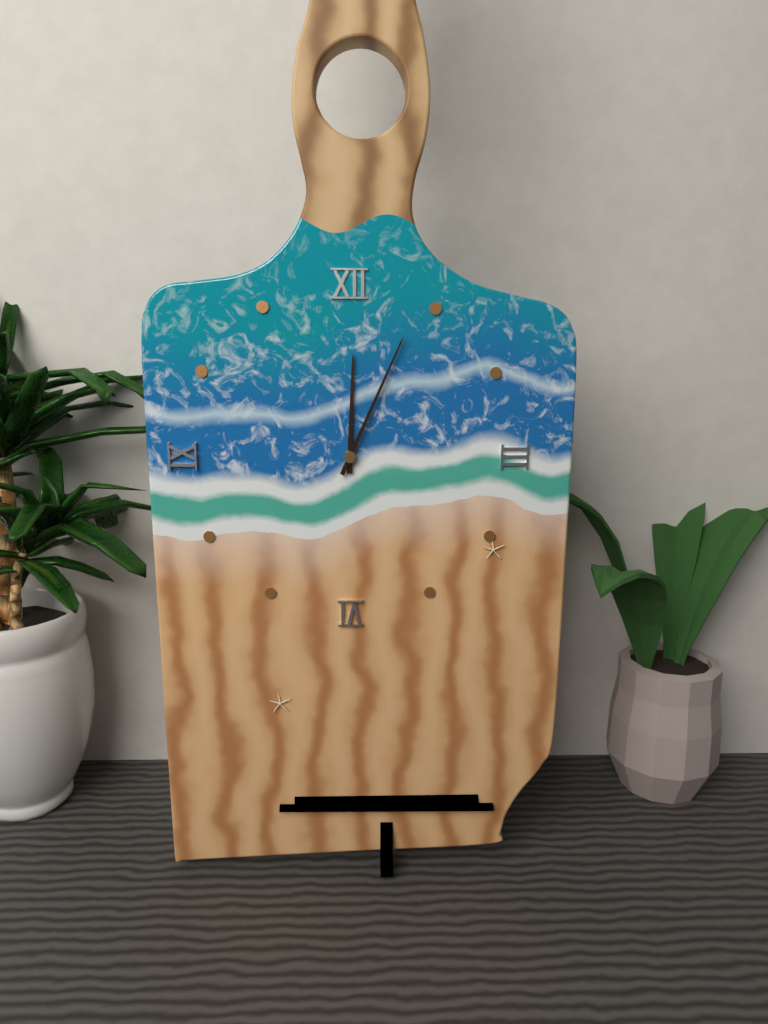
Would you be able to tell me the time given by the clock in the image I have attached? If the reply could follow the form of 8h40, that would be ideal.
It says 12h04
